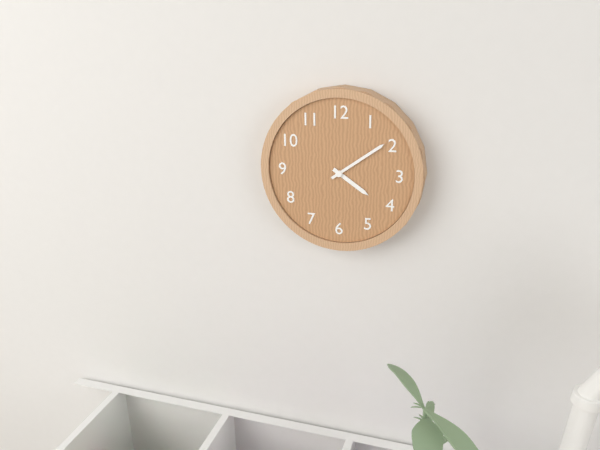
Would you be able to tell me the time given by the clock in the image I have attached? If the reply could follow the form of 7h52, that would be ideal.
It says 4h09
